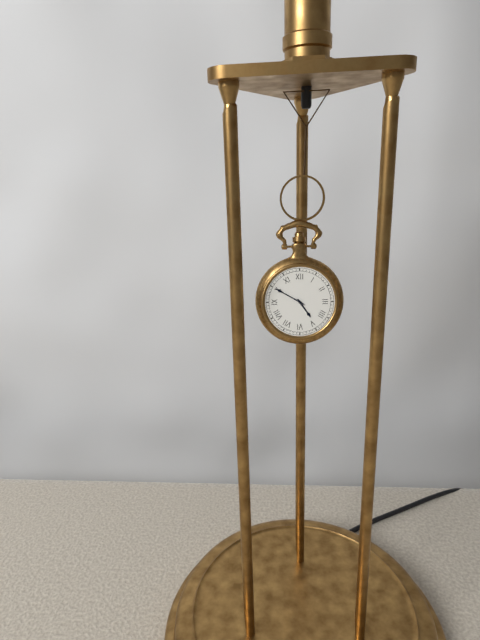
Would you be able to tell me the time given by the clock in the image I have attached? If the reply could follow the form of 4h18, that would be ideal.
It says 4h50
